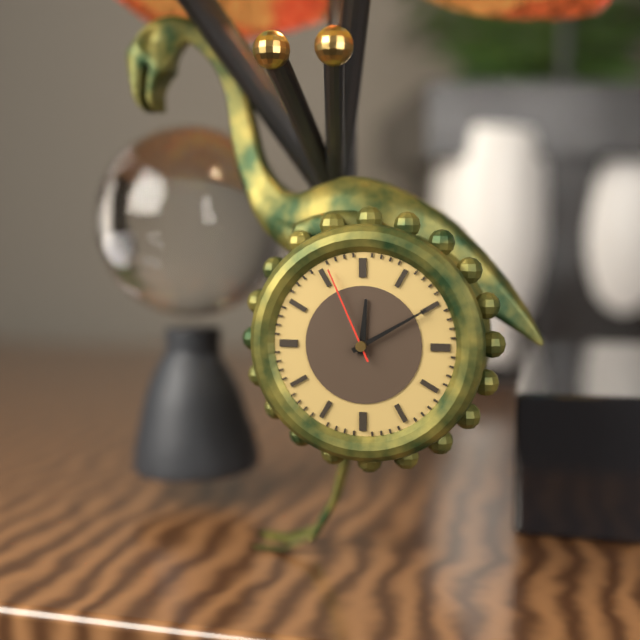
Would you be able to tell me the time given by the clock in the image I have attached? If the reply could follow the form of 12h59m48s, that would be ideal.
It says 12h10m56s
